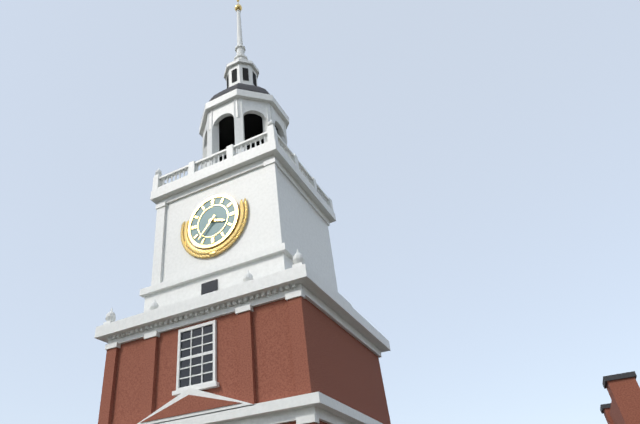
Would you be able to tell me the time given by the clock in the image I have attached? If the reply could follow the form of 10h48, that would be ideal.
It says 3h37
